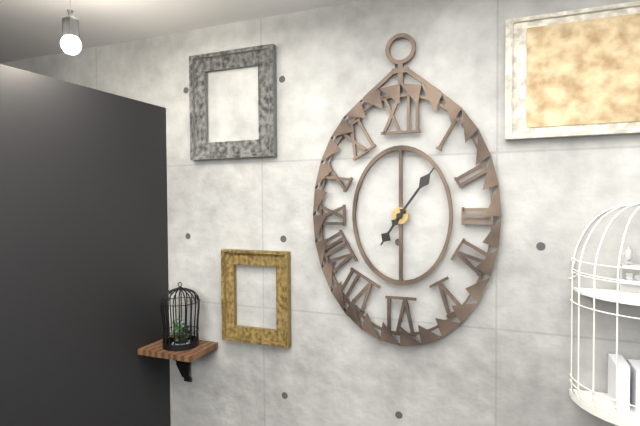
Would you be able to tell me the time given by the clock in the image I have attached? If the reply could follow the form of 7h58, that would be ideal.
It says 7h06
